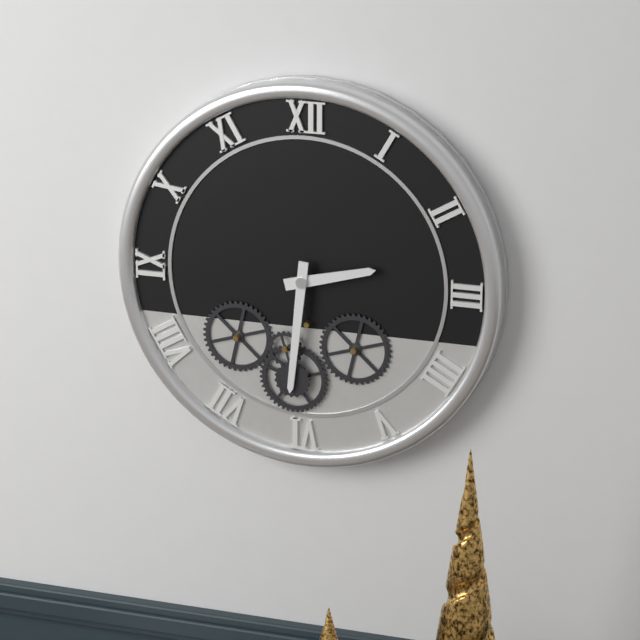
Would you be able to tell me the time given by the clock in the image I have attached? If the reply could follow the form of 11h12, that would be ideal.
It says 2h31
